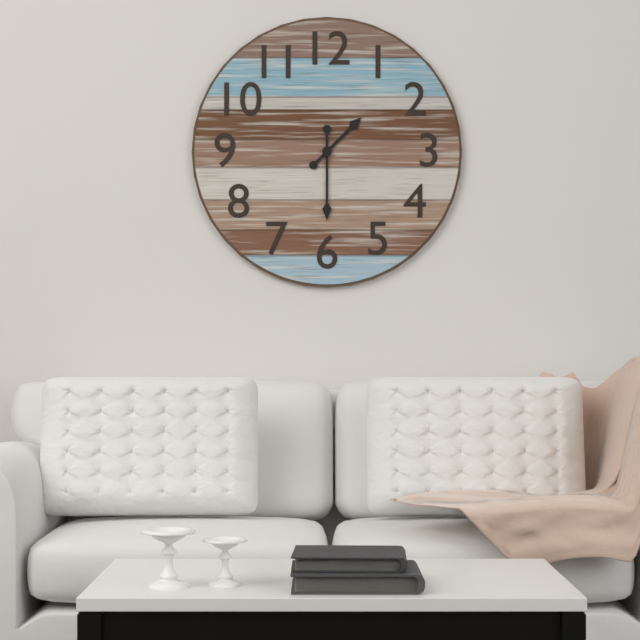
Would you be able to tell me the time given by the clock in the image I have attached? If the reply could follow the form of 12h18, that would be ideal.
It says 1h30
